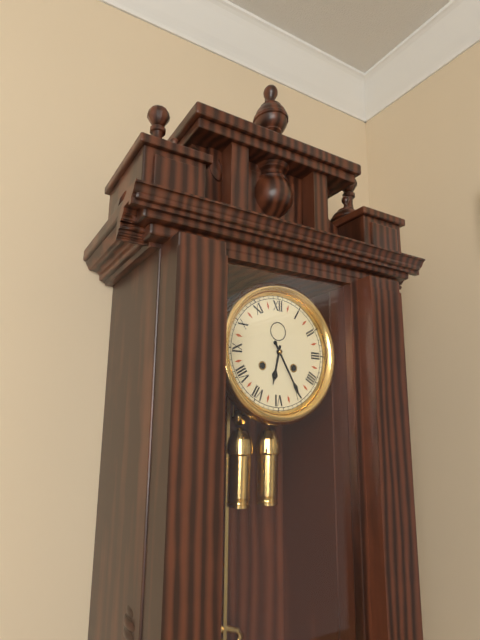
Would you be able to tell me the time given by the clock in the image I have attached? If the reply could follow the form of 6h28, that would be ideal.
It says 6h25
